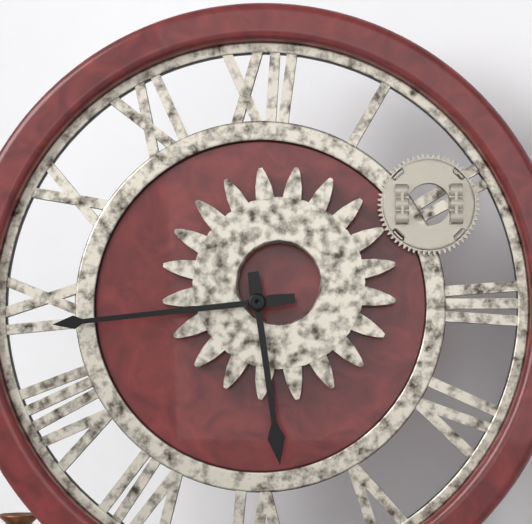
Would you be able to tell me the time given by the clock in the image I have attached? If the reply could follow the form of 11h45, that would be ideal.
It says 5h44
